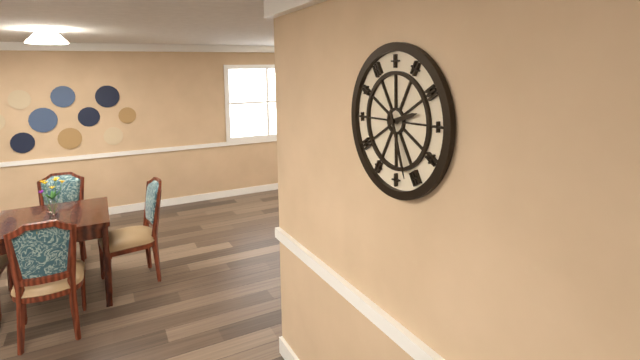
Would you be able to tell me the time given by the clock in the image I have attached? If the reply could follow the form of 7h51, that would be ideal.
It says 2h27
